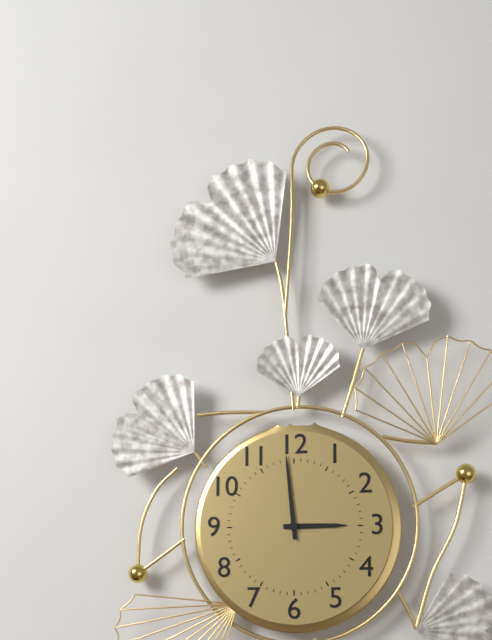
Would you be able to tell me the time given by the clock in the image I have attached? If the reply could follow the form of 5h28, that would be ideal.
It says 2h59
